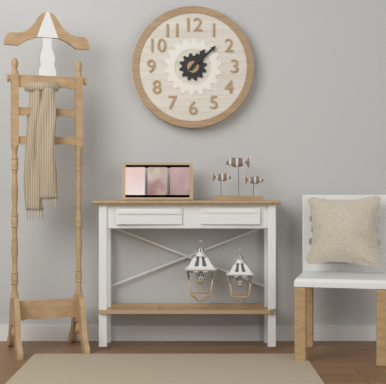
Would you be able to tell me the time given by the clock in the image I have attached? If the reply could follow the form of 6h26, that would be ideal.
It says 1h08
